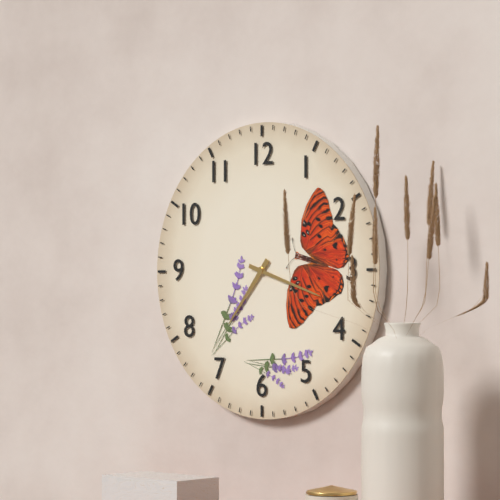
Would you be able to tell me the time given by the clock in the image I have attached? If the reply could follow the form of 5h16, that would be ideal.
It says 7h18
